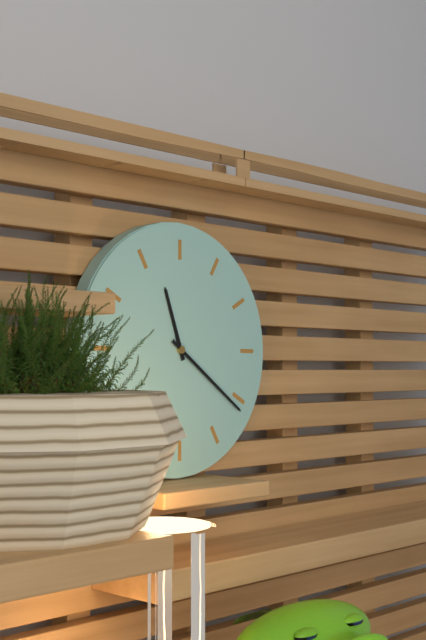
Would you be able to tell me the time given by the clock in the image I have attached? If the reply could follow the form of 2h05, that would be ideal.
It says 11h21
